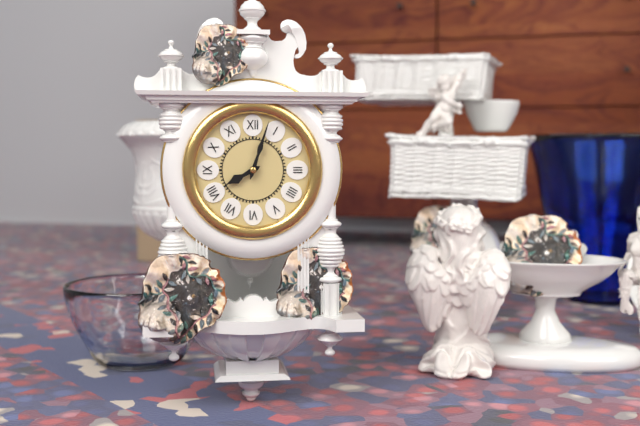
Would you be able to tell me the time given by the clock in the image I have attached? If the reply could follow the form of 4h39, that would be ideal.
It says 8h03
